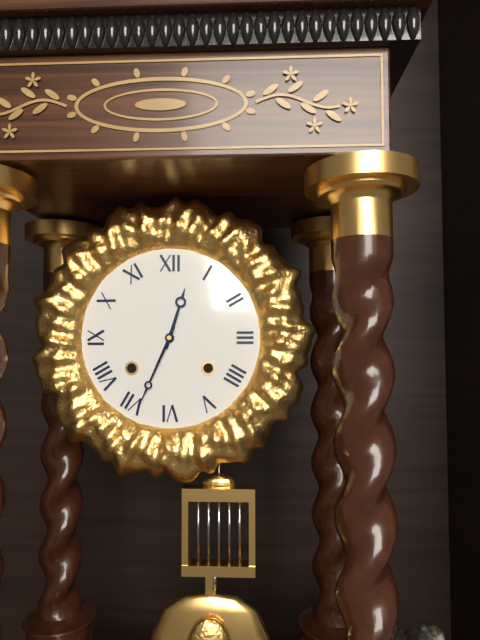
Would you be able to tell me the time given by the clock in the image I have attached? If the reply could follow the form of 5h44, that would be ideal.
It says 12h34
